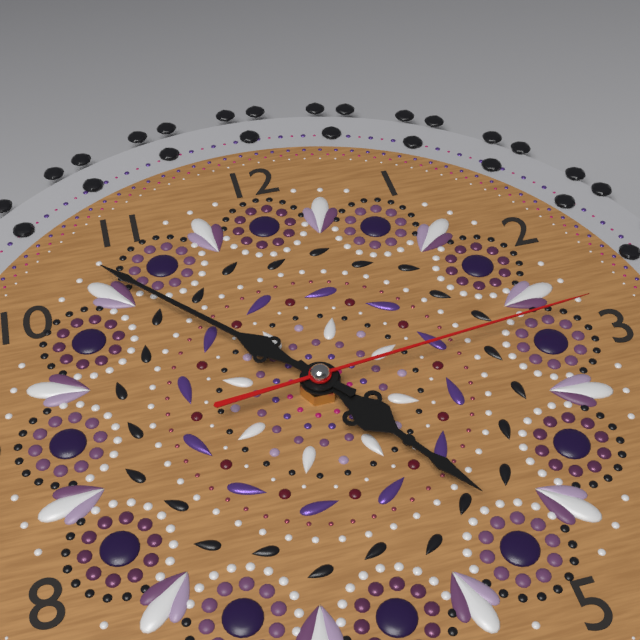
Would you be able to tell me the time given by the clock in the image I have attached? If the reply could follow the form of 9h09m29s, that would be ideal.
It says 4h53m14s
